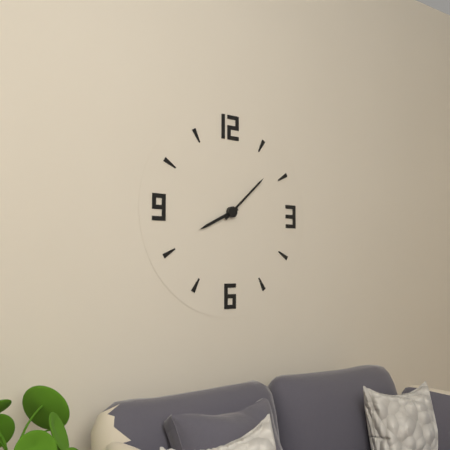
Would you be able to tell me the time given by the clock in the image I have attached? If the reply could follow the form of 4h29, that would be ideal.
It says 8h08
